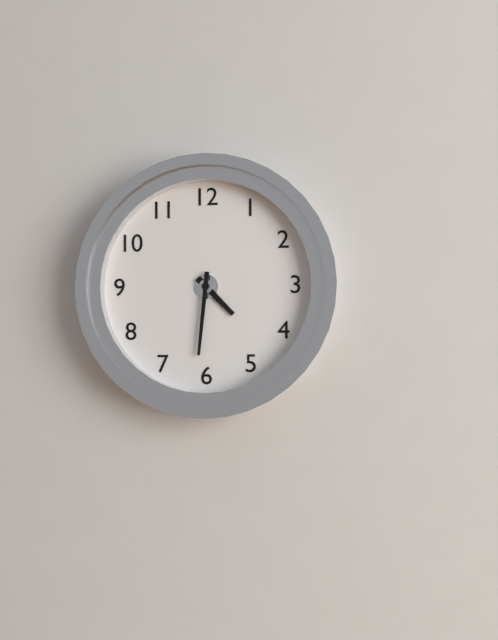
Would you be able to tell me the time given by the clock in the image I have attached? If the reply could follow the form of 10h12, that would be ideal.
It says 4h31
